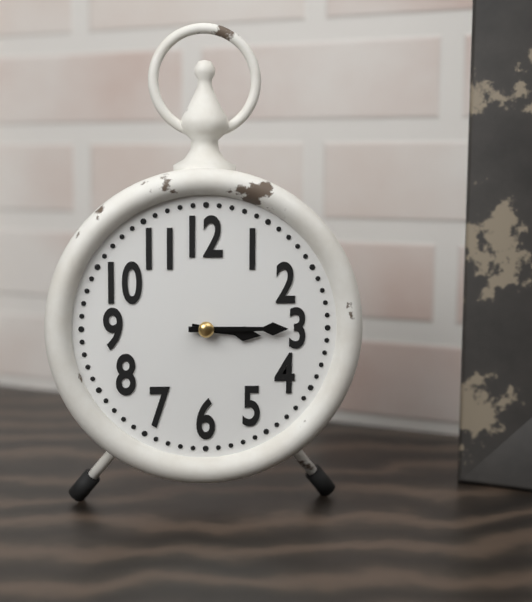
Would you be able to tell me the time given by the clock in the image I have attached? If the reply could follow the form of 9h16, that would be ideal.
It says 3h15
